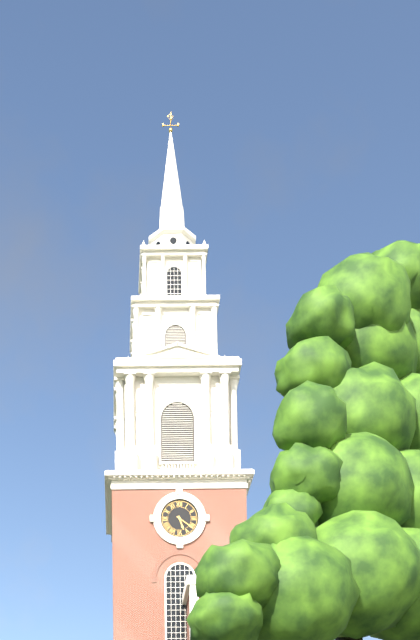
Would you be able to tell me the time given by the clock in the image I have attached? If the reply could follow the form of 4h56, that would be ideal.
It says 5h21
